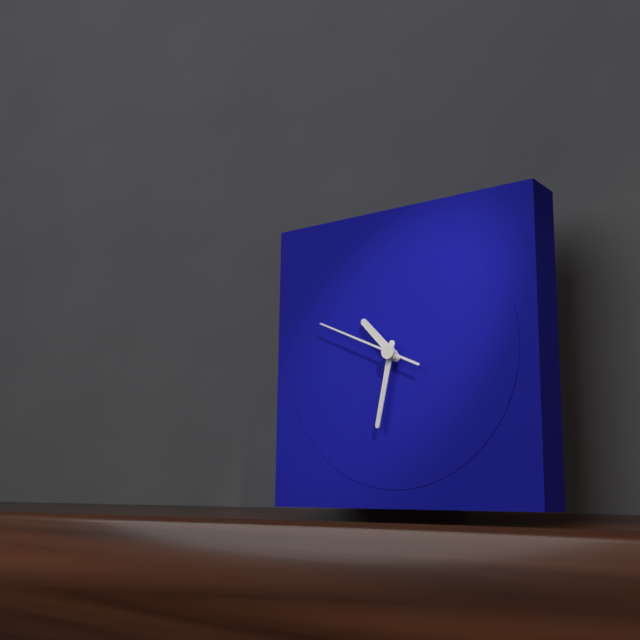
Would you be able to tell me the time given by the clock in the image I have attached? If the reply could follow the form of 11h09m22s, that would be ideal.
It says 10h32m49s
